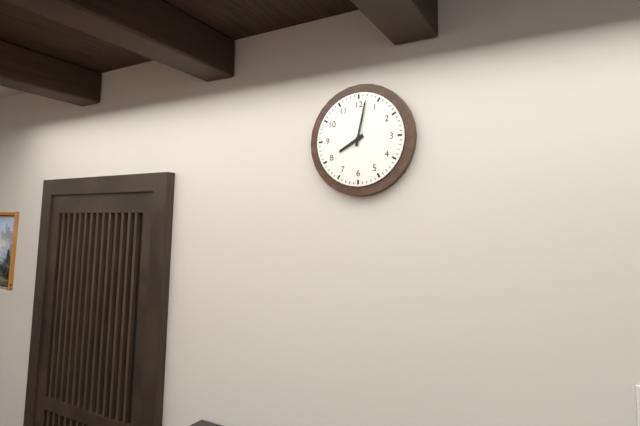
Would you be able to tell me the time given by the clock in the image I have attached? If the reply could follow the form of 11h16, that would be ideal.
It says 8h02
